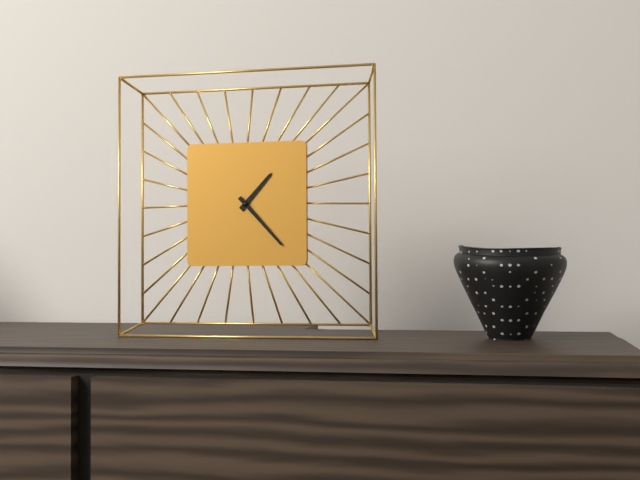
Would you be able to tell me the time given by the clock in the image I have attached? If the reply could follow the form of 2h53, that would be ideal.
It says 1h23
